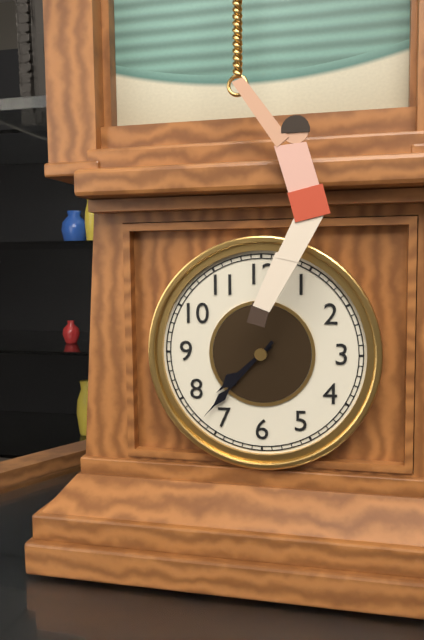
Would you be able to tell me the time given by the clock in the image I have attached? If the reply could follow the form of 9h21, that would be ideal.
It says 7h37
